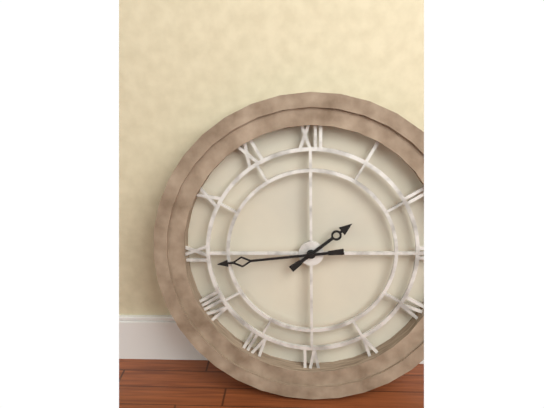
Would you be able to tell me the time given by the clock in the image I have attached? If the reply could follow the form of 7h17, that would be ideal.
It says 1h44
